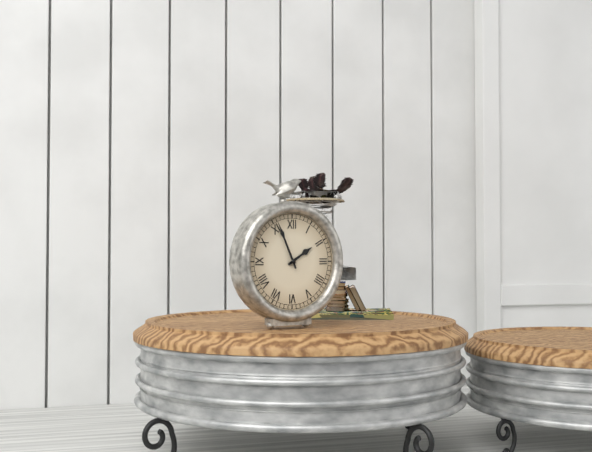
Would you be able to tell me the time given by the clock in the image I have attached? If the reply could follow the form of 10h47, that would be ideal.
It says 1h56
